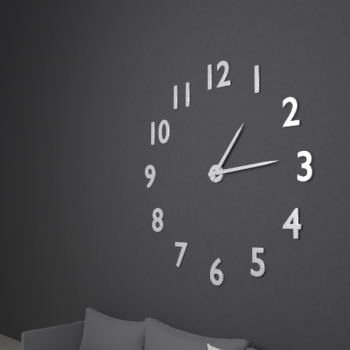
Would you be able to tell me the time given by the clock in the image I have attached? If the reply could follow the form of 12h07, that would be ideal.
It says 1h14
